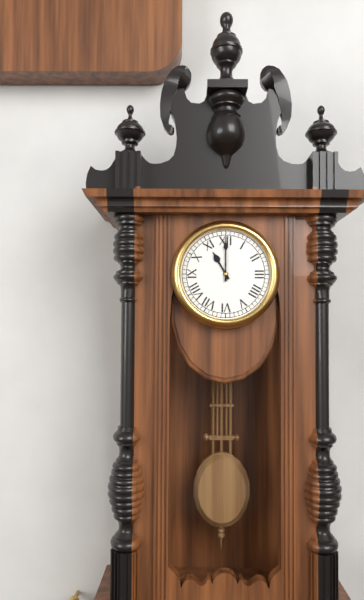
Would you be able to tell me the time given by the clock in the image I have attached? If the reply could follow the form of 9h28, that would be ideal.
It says 11h00
